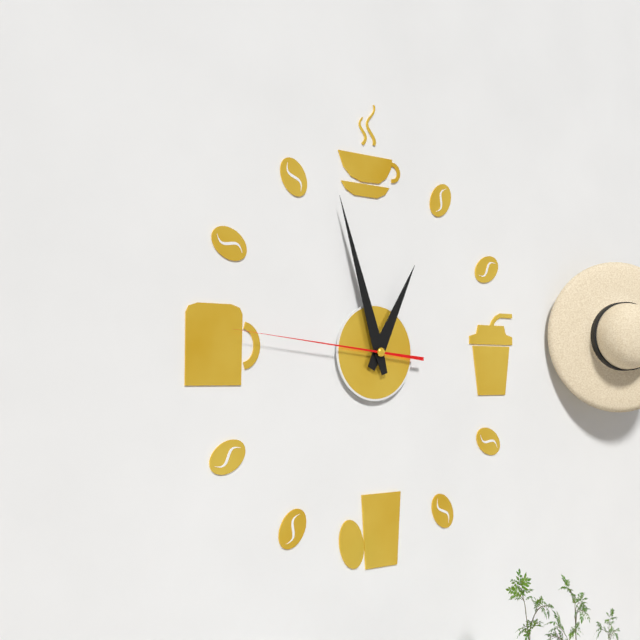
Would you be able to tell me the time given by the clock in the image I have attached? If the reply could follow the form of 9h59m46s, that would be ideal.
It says 12h57m46s
